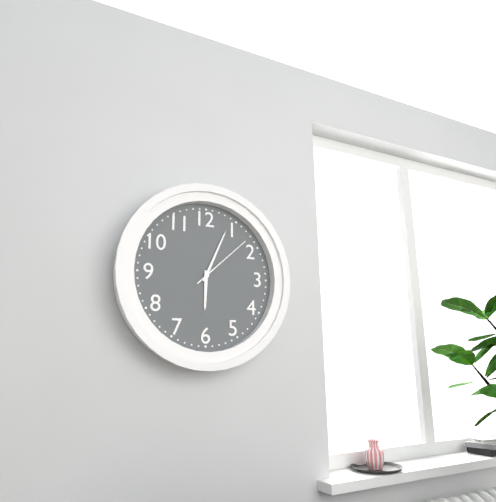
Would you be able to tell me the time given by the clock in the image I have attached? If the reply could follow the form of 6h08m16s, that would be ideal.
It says 6h04m08s
